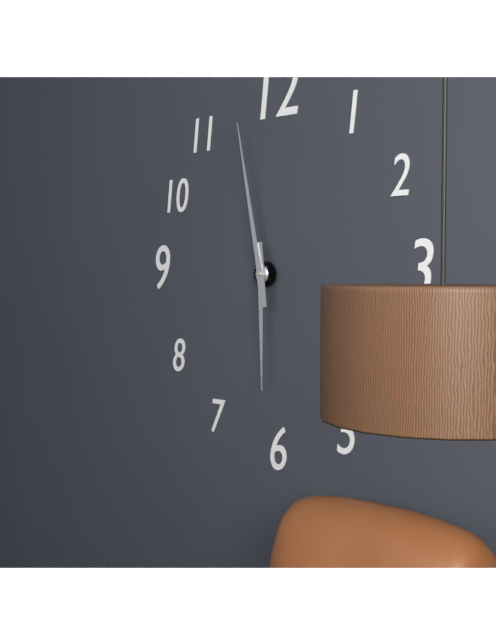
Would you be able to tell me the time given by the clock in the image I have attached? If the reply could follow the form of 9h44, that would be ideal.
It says 5h58
